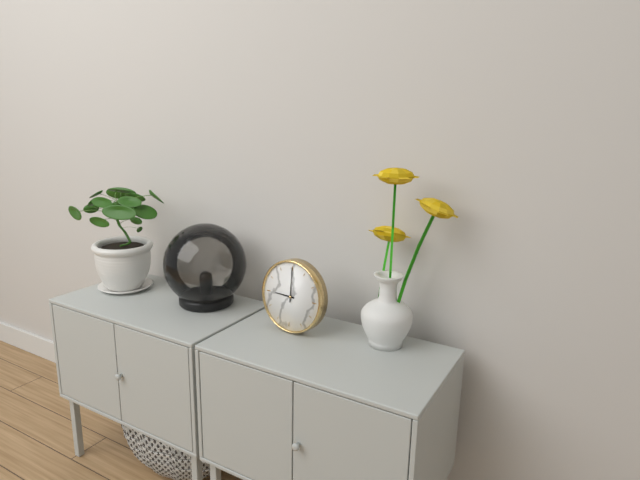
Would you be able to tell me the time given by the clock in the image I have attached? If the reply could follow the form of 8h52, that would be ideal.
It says 9h00
